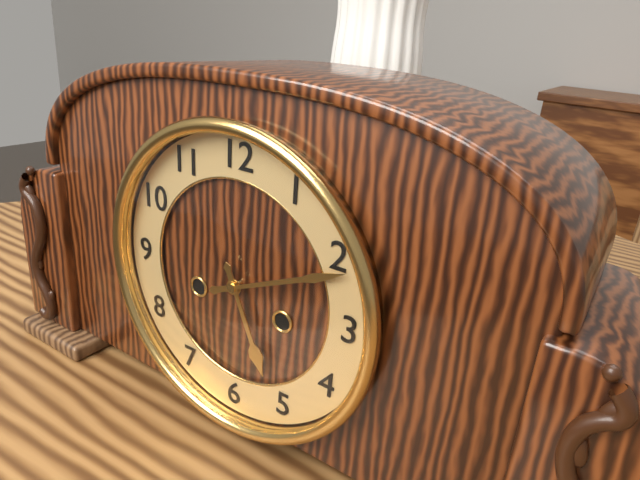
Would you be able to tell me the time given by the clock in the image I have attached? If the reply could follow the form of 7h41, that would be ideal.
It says 5h11
